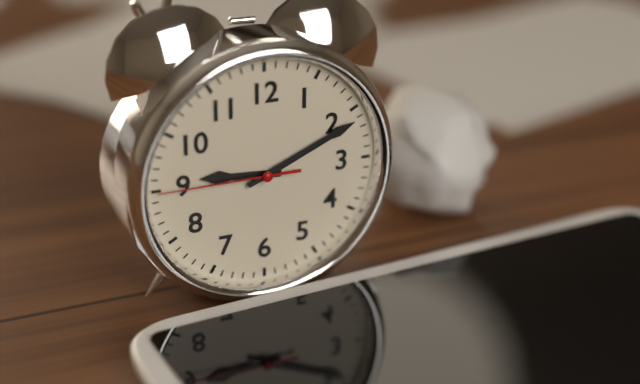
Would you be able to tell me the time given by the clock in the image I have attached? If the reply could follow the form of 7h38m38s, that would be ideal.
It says 9h11m45s
